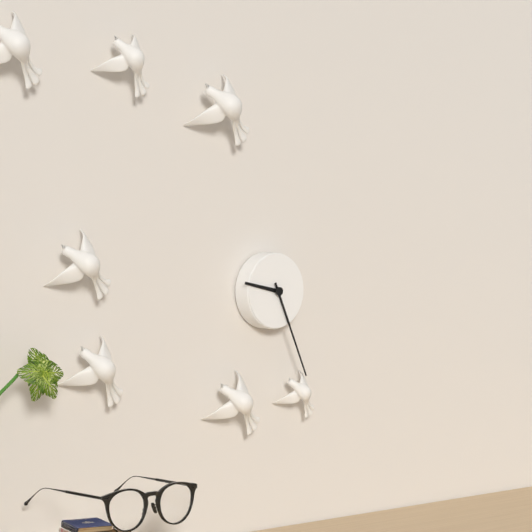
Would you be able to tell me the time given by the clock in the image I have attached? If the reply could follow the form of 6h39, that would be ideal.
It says 9h26
